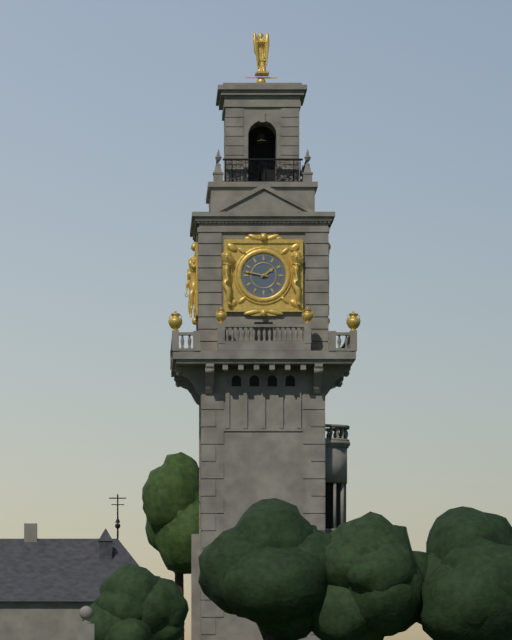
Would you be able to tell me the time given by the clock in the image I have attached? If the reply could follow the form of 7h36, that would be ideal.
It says 1h47
